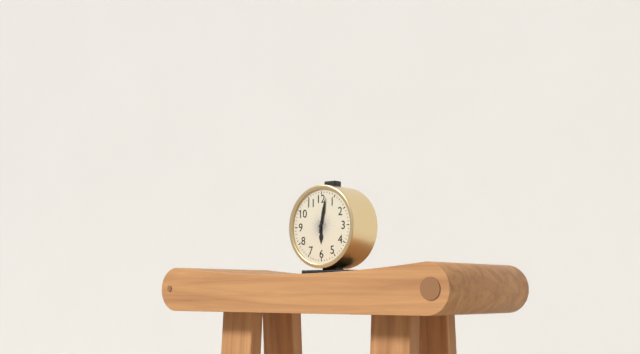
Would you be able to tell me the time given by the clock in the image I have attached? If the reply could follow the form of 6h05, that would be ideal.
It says 6h02
